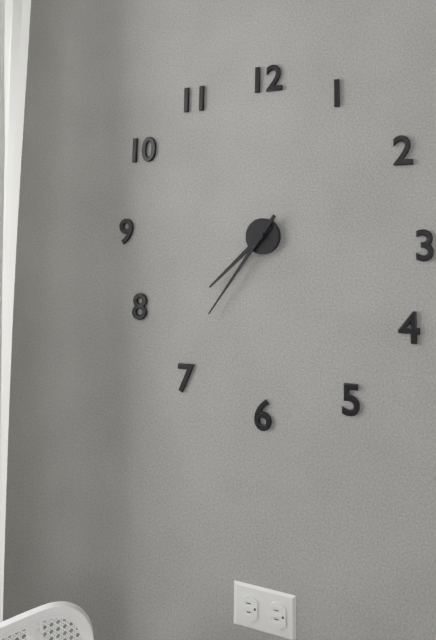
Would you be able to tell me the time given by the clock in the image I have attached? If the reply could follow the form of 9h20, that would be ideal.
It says 7h36
